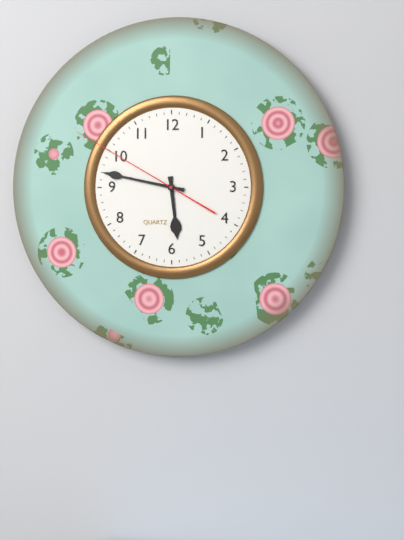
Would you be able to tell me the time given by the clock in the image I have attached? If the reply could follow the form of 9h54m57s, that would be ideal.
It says 5h47m50s
